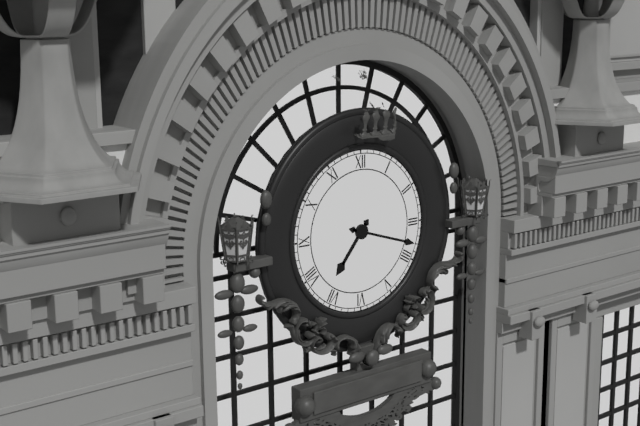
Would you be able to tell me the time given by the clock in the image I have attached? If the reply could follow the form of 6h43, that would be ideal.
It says 7h18
